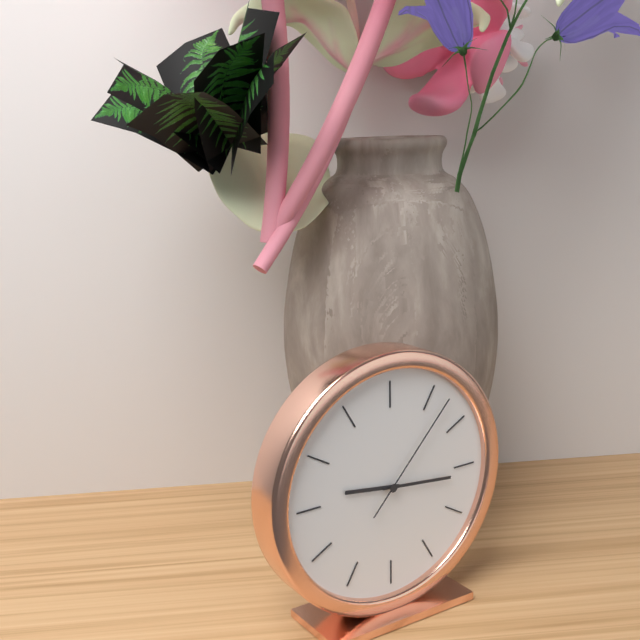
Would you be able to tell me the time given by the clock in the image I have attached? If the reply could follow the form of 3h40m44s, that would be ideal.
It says 9h16m07s
